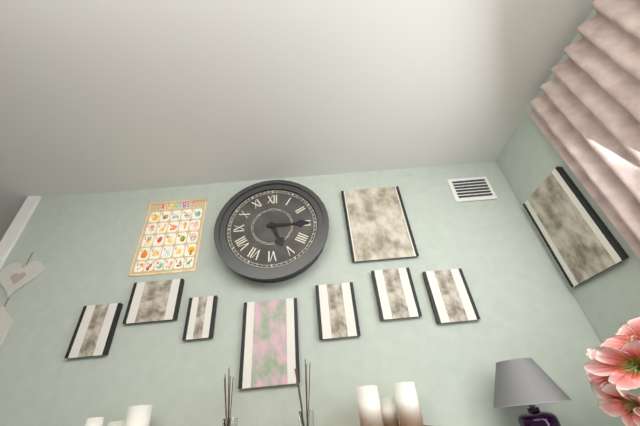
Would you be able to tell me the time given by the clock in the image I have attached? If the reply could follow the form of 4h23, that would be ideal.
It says 5h15
